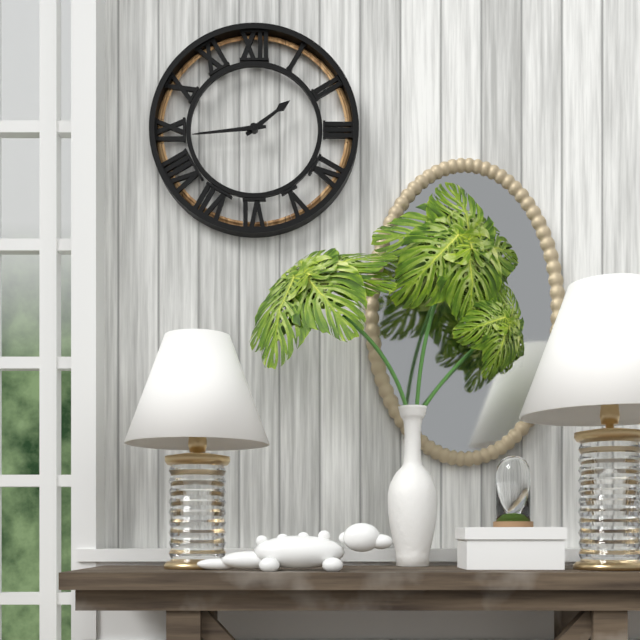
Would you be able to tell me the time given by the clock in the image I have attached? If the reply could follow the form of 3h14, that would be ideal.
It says 1h44
